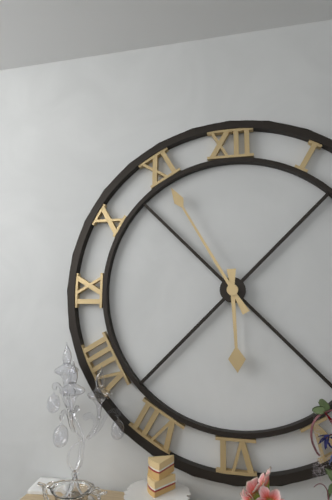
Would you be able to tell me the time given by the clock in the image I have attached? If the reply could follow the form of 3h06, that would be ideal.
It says 5h55
